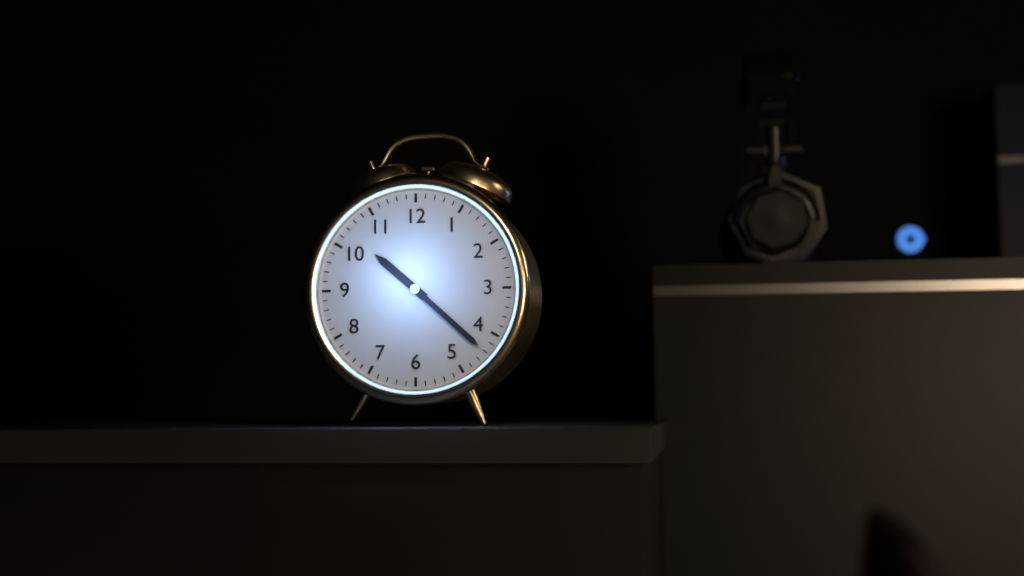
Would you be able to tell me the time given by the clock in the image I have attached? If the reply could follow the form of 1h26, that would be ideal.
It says 10h22
